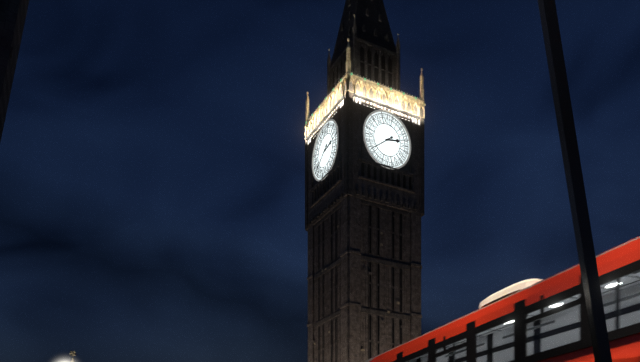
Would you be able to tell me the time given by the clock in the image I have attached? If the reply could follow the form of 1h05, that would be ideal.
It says 2h39
